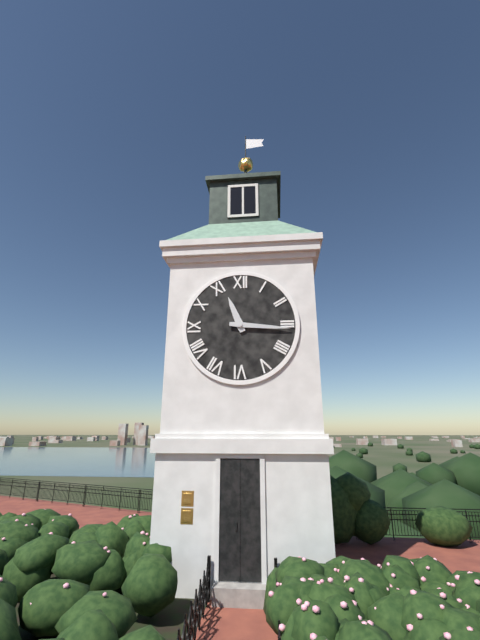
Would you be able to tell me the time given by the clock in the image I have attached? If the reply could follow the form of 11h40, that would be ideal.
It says 11h16
